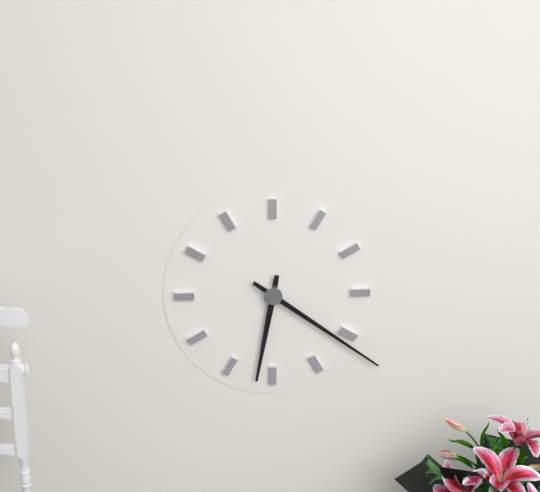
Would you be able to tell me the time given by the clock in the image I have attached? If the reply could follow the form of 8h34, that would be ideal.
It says 6h21
